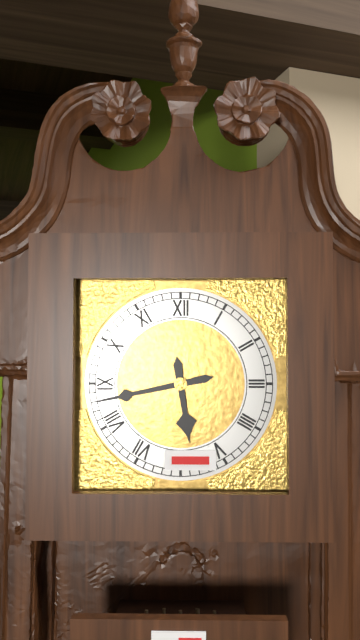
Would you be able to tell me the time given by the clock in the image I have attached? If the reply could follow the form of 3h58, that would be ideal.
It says 5h43
